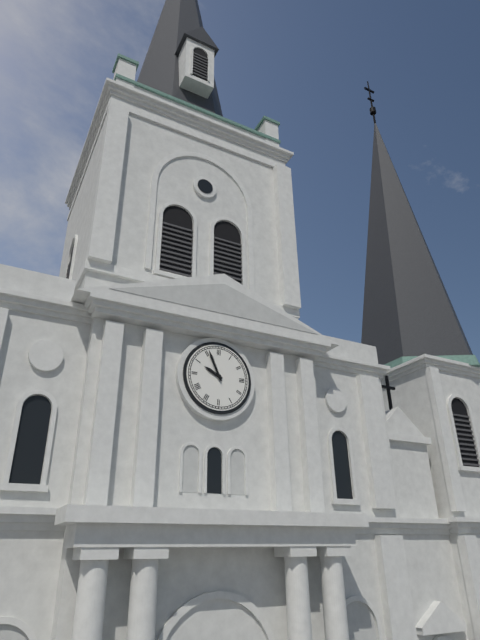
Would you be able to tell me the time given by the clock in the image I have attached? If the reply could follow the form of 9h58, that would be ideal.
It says 9h56
